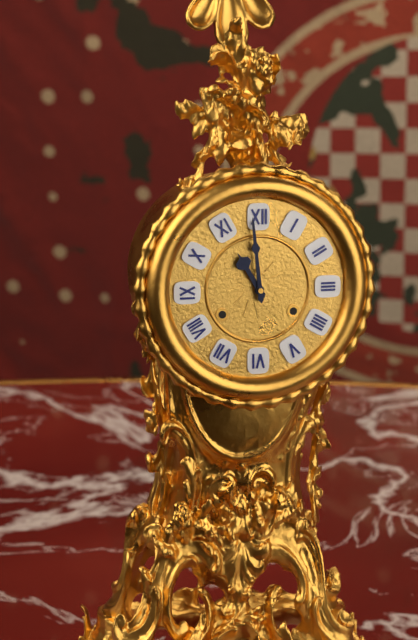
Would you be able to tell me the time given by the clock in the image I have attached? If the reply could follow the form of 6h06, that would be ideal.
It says 10h59
